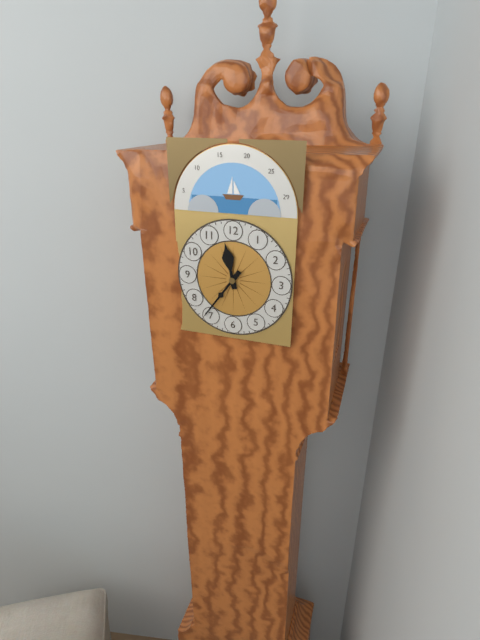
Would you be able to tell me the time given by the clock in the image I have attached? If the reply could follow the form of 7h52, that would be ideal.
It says 11h36
